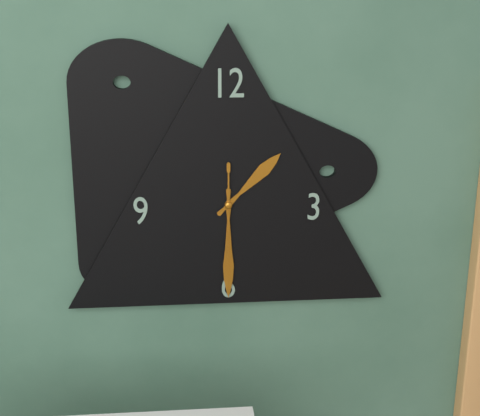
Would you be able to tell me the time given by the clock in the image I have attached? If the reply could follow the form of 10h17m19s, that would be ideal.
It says 1h30m30s
